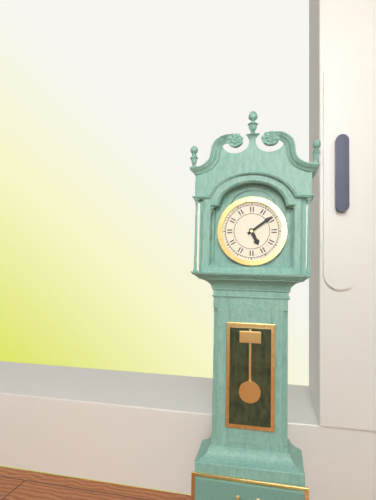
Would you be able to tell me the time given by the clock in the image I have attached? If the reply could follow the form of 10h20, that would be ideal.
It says 5h09
